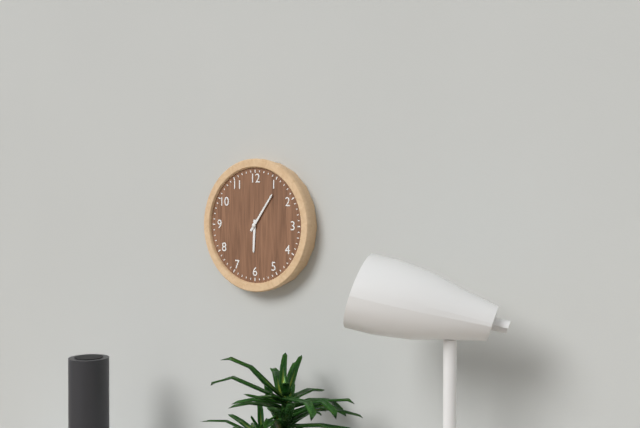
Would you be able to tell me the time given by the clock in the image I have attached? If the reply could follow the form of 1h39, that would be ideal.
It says 6h06
